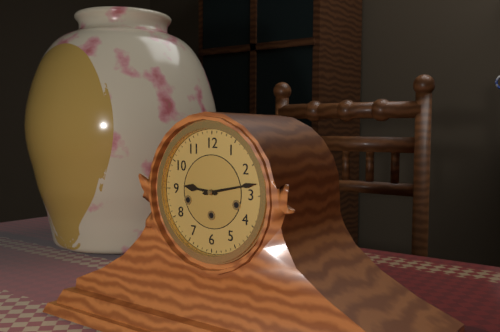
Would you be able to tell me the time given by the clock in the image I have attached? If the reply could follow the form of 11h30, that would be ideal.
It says 9h13
